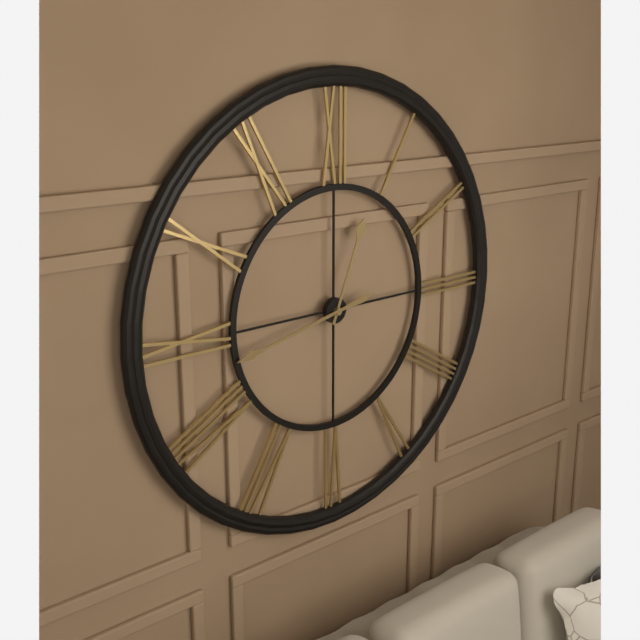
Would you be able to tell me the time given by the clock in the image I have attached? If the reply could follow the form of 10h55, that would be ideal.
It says 12h43
